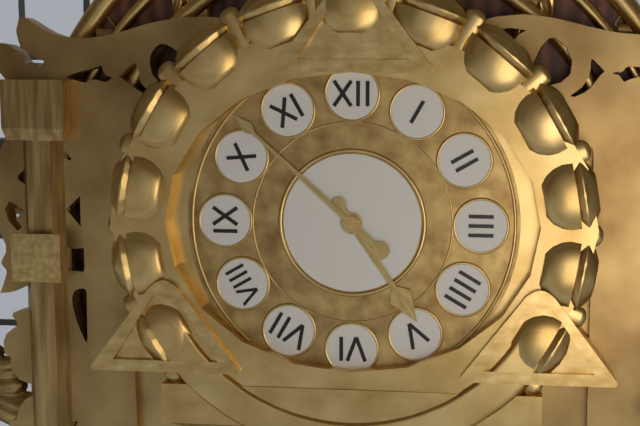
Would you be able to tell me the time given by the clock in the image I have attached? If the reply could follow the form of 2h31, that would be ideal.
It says 4h52
